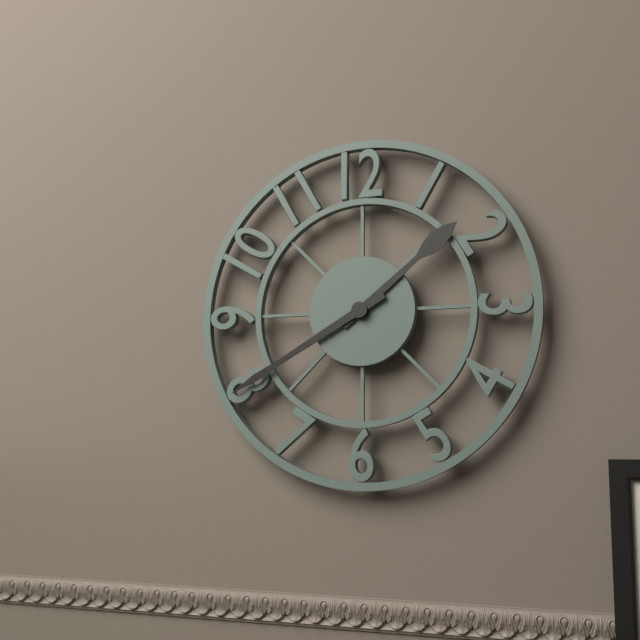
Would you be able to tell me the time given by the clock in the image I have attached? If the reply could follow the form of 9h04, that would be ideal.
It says 1h40
